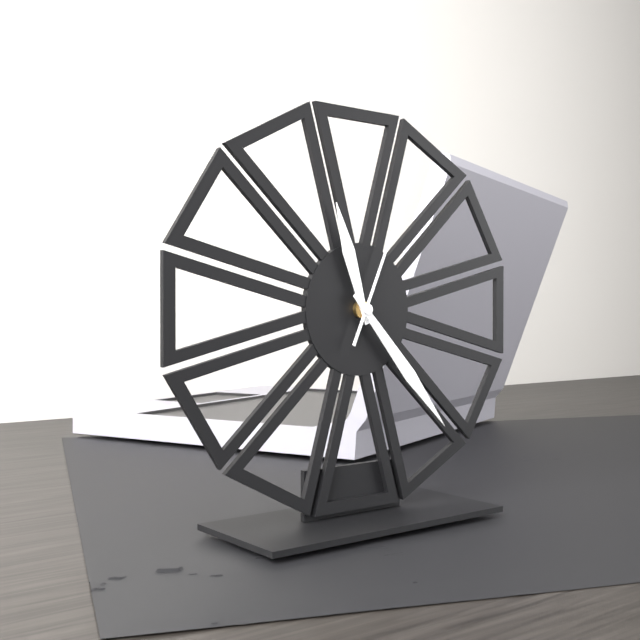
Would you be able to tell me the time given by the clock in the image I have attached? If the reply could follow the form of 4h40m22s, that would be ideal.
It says 11h23m04s
